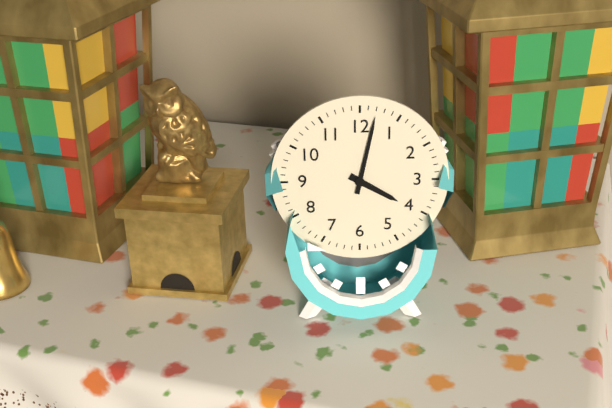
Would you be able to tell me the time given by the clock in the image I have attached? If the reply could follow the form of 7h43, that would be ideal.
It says 4h02
